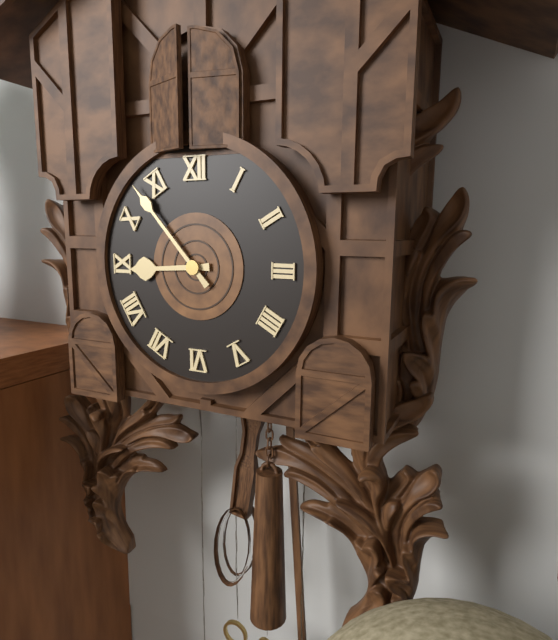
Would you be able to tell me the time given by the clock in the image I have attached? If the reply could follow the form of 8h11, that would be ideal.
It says 8h53
